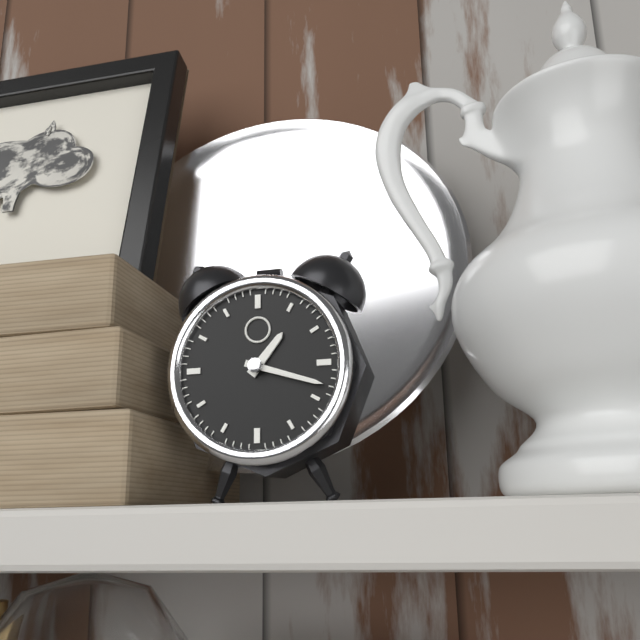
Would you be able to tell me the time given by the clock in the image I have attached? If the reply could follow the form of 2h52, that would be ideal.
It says 1h18
